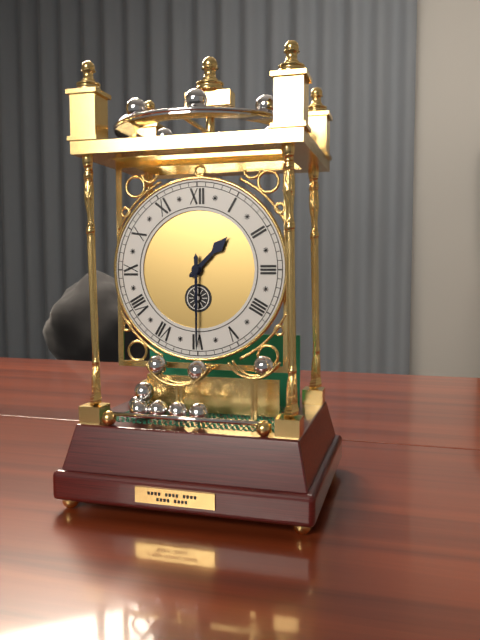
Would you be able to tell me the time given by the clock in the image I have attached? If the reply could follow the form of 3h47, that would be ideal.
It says 1h30
